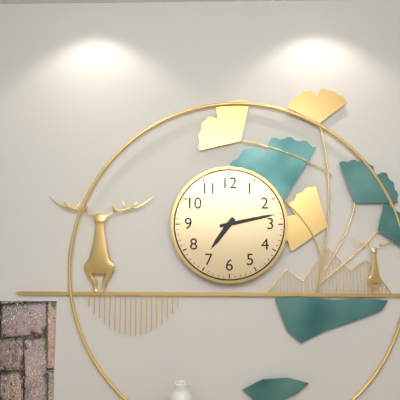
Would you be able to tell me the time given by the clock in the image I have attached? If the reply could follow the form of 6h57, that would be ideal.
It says 7h13
